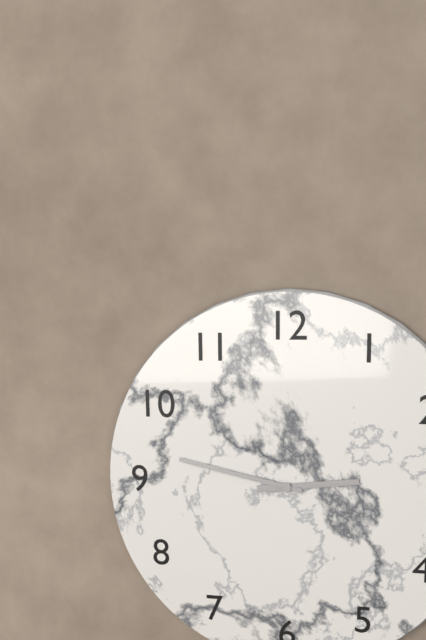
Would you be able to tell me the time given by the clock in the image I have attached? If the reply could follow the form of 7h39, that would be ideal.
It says 2h47
